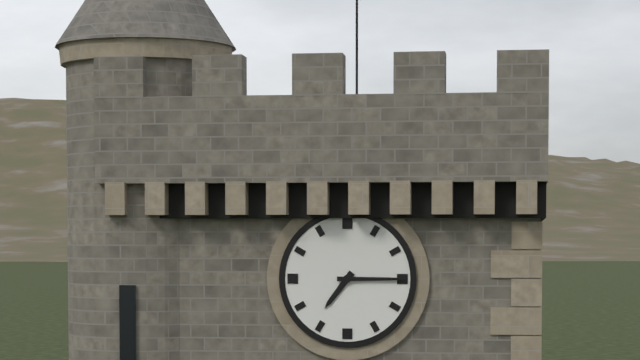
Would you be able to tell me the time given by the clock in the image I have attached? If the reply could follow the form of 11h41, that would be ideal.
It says 7h15
